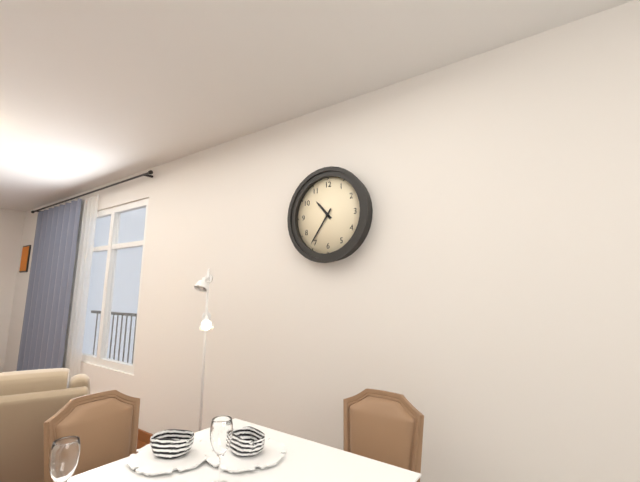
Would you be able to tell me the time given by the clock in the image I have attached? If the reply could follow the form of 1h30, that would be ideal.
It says 10h36
